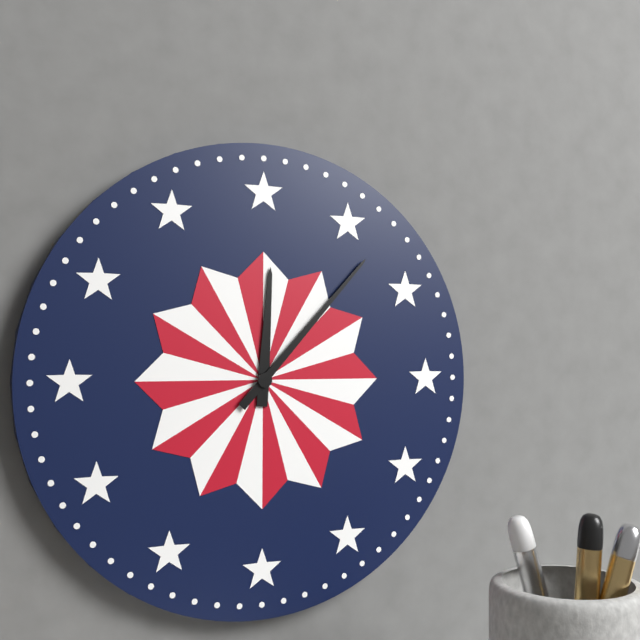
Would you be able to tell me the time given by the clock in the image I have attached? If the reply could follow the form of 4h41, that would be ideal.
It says 12h07
